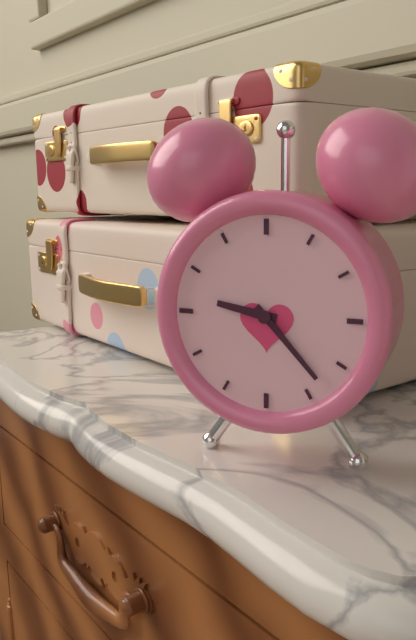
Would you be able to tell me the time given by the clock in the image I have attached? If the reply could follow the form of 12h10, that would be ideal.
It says 9h23
